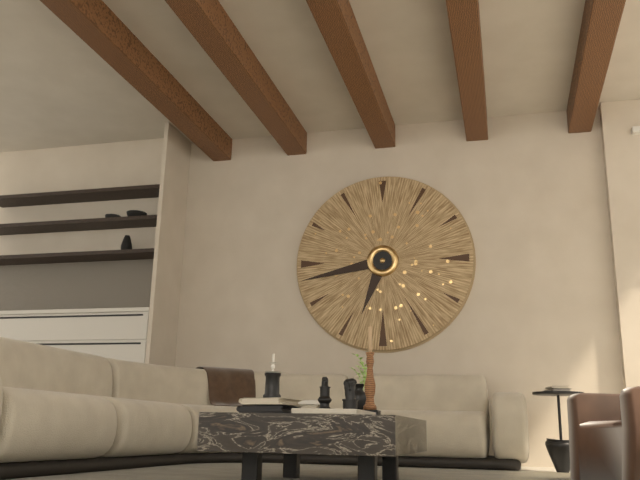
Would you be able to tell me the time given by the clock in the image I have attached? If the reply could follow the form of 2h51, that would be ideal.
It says 6h43
